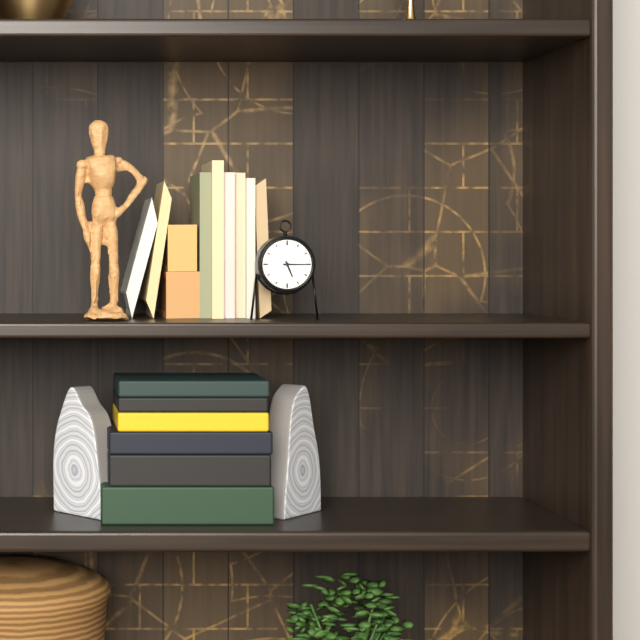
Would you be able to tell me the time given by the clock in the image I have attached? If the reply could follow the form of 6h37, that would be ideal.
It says 5h15
